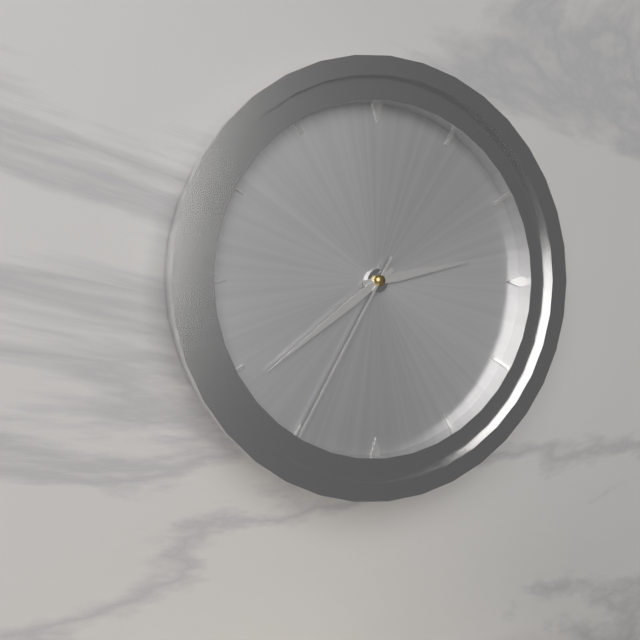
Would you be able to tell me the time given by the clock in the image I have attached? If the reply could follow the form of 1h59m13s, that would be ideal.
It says 2h39m35s
